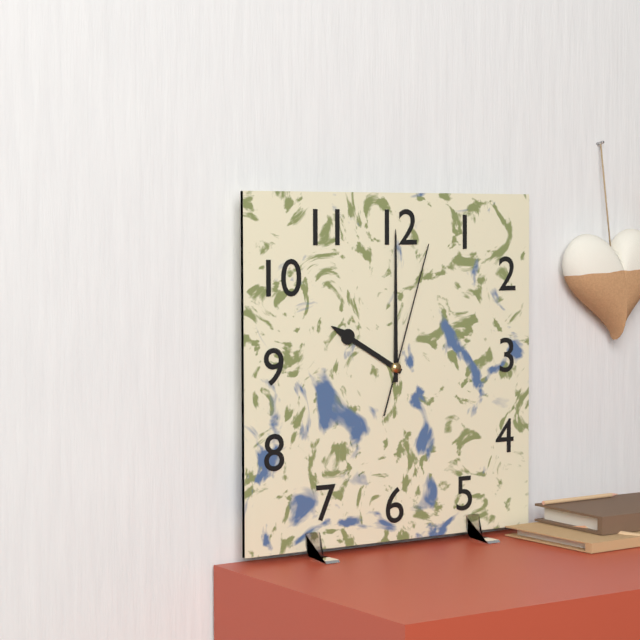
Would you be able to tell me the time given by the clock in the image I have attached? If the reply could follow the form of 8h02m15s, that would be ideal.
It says 10h00m03s
